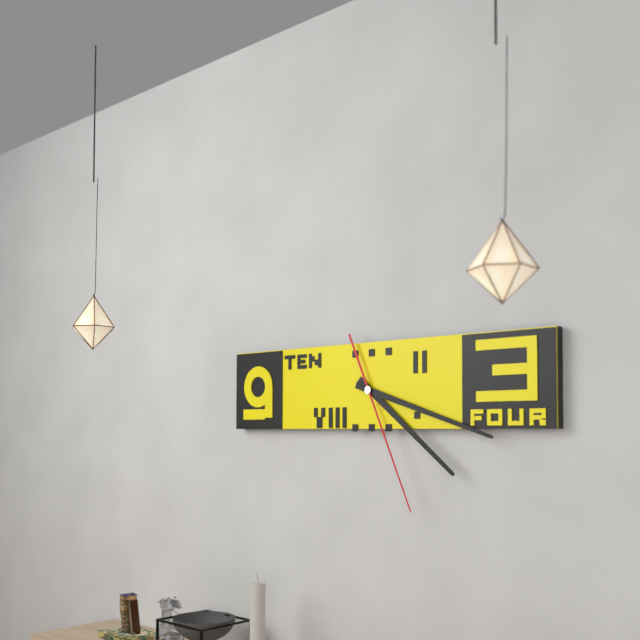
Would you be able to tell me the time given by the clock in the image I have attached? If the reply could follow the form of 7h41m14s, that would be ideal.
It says 4h18m26s
